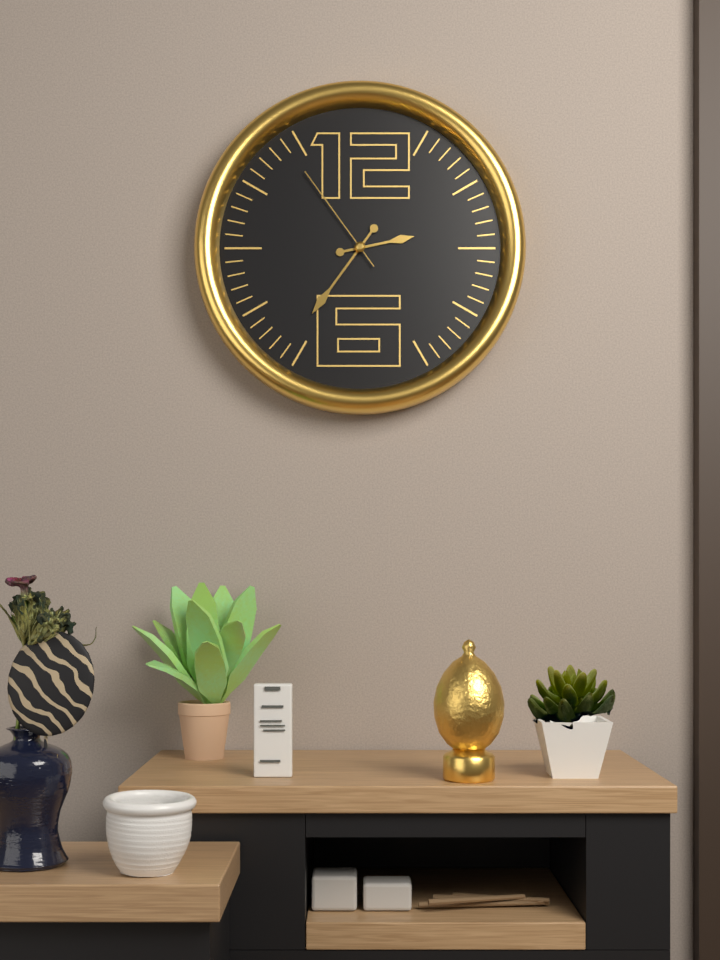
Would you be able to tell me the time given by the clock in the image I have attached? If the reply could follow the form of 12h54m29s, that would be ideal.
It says 2h36m54s
